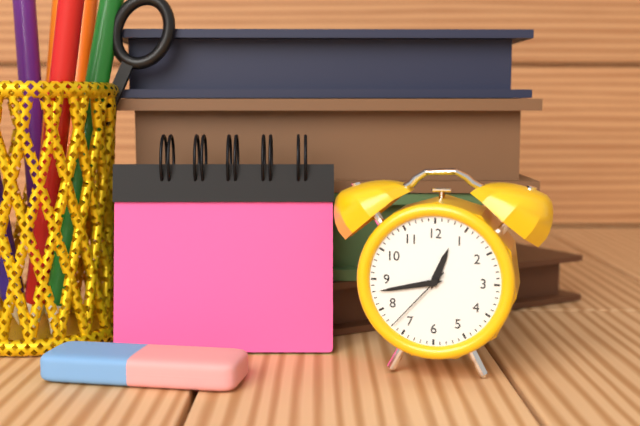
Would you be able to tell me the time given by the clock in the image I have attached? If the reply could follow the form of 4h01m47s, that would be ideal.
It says 12h43m37s
